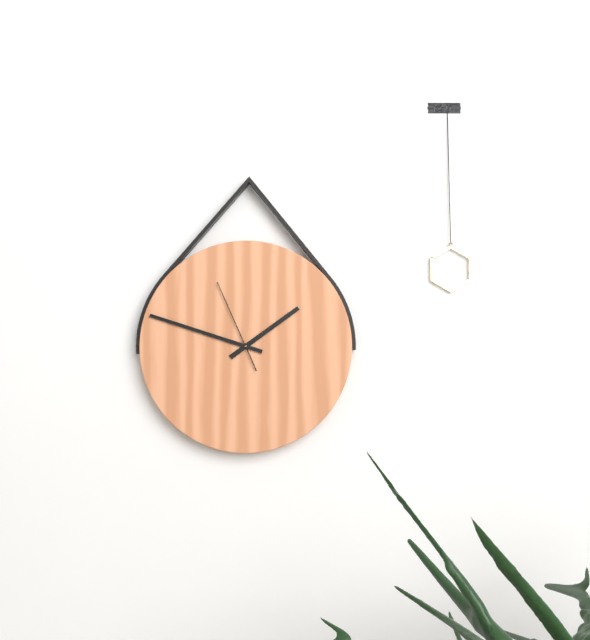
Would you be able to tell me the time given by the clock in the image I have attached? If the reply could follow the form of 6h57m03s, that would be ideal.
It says 1h48m56s
